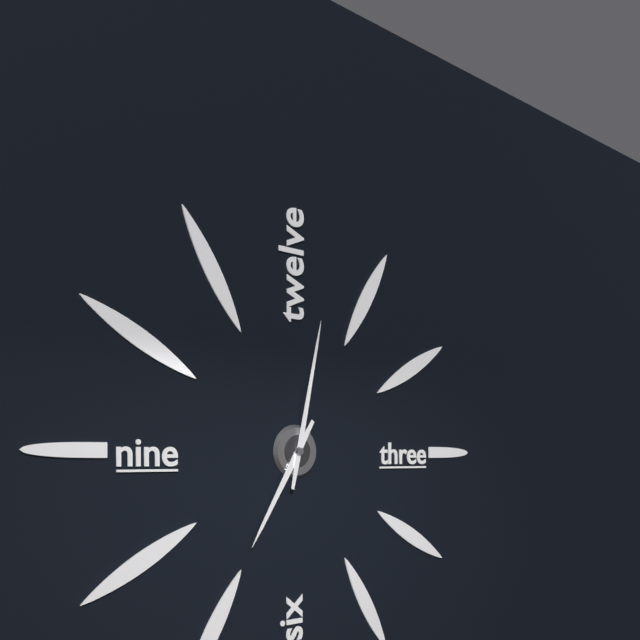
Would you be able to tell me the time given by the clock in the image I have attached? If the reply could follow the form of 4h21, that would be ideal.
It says 7h02
